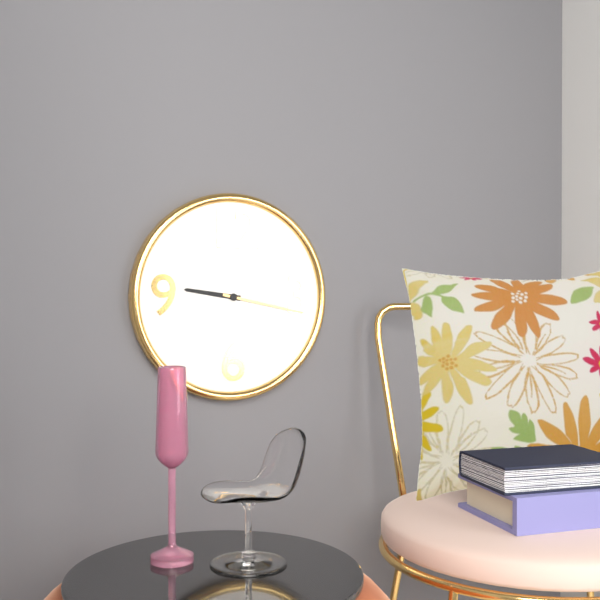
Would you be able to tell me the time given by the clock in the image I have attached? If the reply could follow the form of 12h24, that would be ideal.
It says 9h17
